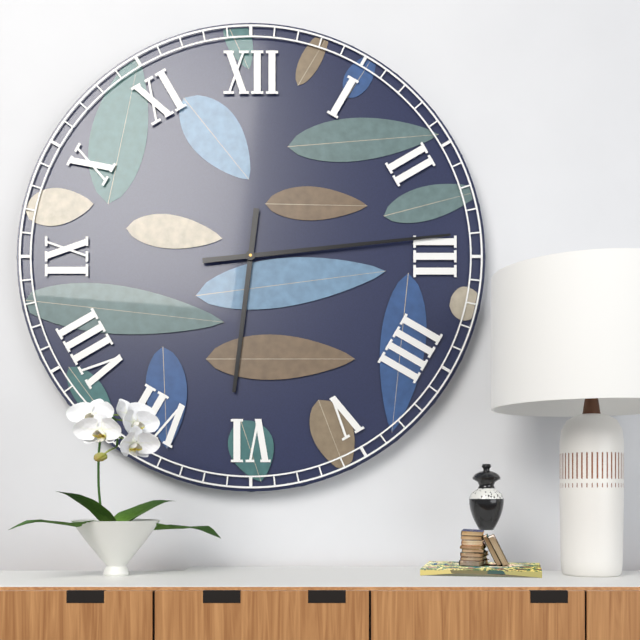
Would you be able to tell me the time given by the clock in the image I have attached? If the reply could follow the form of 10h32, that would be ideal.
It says 6h14
